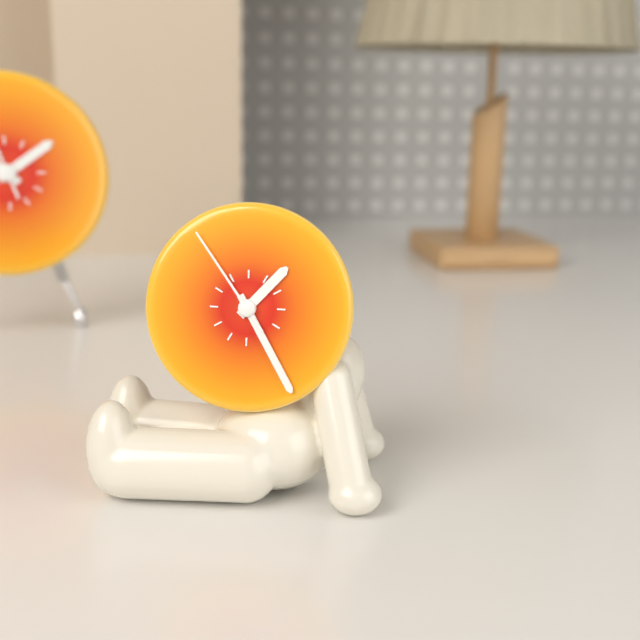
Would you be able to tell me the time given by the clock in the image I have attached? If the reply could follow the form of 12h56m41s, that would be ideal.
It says 1h25m54s
